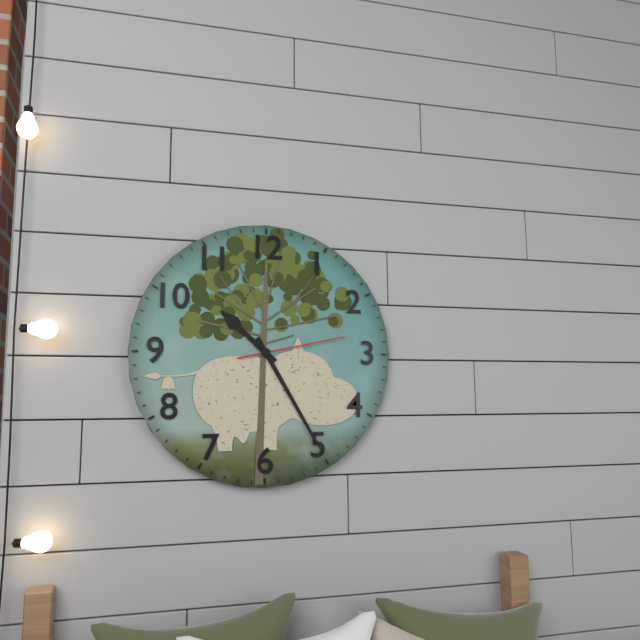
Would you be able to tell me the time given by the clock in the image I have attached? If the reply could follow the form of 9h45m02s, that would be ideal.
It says 10h25m13s
